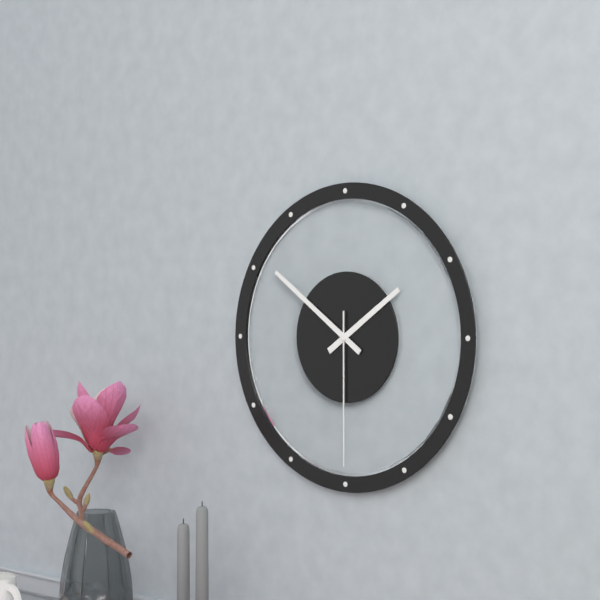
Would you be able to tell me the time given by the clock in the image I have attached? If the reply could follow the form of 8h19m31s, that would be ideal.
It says 1h51m30s
